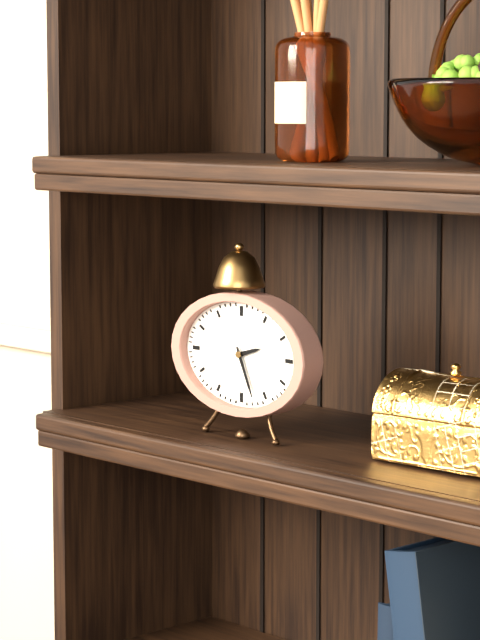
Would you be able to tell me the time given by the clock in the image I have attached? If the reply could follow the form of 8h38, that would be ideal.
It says 2h26
